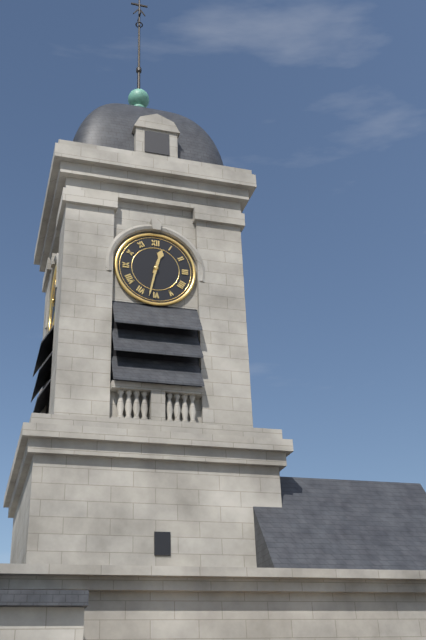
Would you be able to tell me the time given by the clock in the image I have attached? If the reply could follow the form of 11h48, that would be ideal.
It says 12h32
